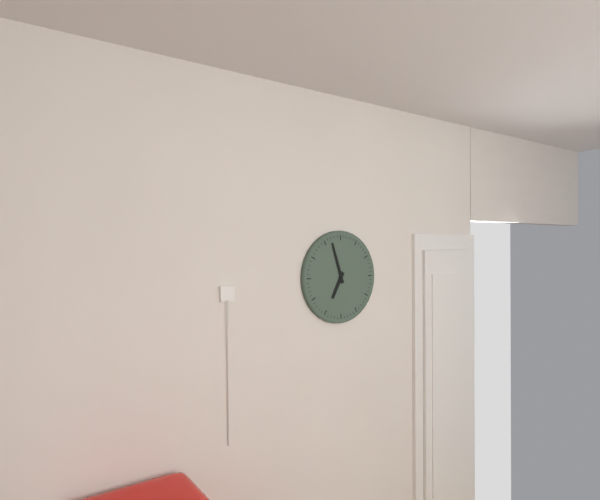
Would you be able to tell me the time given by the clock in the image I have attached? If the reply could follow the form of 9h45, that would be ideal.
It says 6h57
